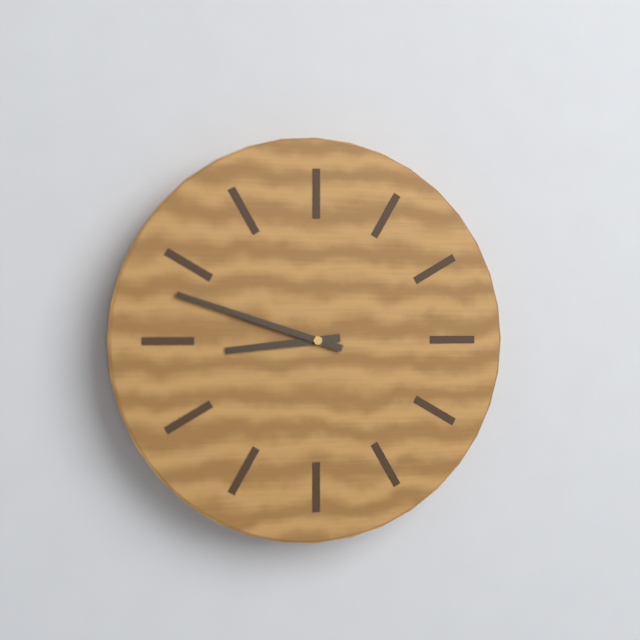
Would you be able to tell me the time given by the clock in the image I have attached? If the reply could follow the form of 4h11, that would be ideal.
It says 8h48
